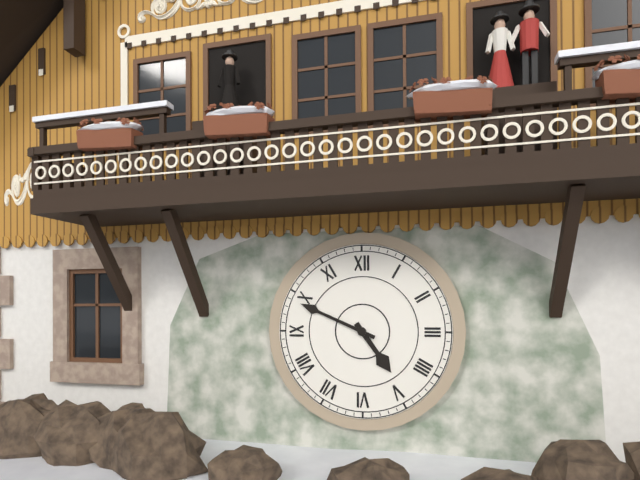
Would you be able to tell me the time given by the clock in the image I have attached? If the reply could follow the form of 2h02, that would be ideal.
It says 4h49
